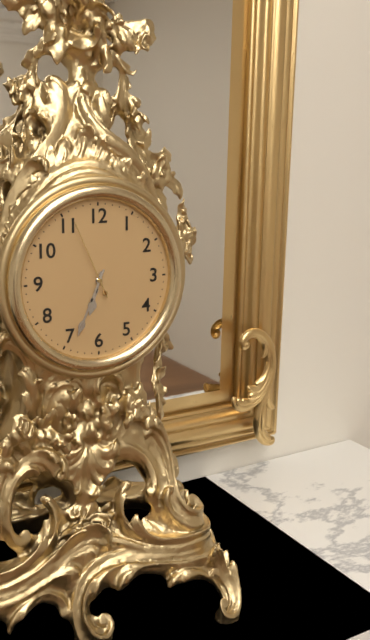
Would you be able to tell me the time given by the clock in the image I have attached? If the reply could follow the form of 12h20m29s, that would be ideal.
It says 6h34m56s
